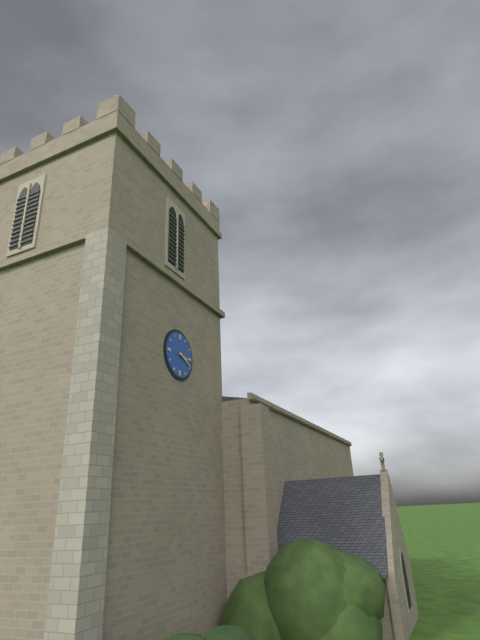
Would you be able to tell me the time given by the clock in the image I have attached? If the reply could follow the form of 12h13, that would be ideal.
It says 3h19
